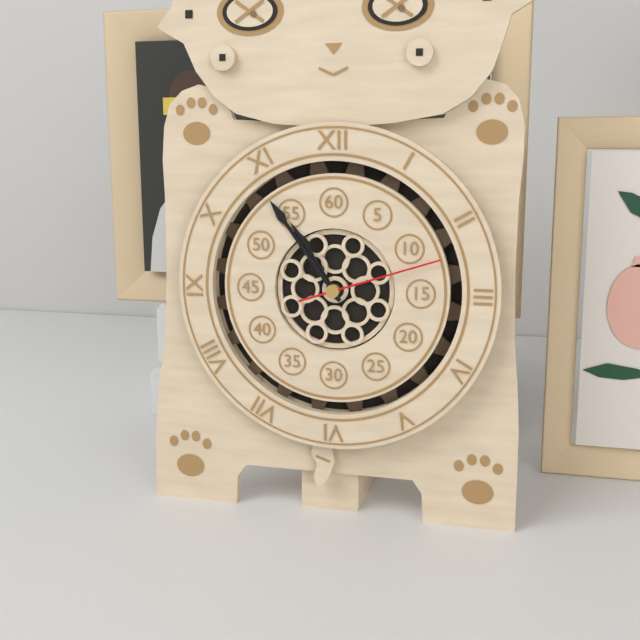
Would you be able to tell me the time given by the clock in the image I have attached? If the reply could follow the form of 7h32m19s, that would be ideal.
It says 10h54m12s
